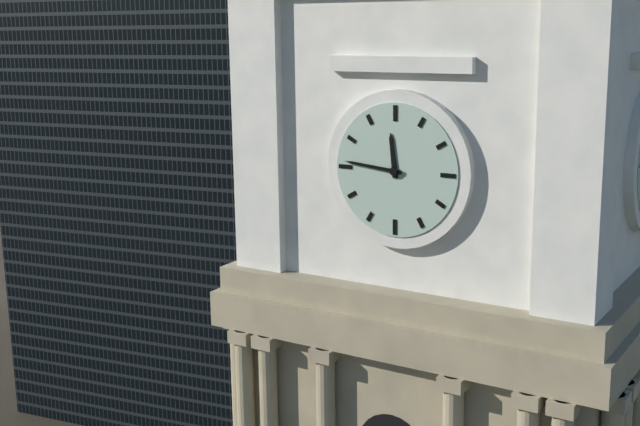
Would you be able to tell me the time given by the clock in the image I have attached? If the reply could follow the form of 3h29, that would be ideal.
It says 11h46
